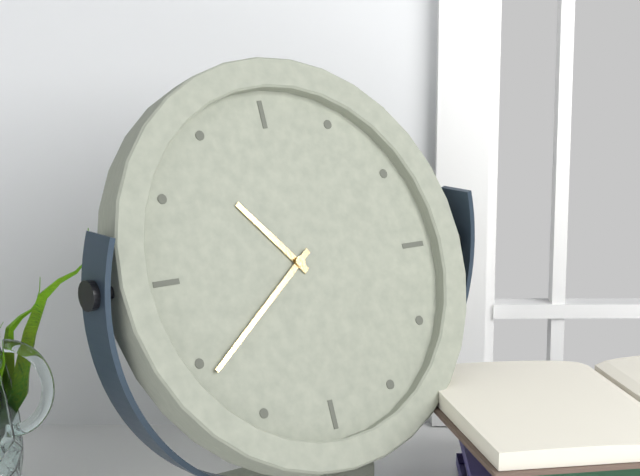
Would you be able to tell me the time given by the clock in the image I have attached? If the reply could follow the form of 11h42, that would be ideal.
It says 10h39
